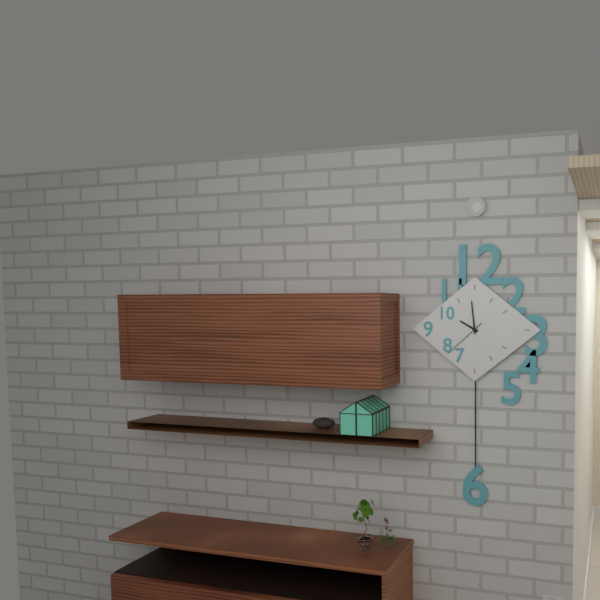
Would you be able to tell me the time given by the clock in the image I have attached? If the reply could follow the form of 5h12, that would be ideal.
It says 9h59
